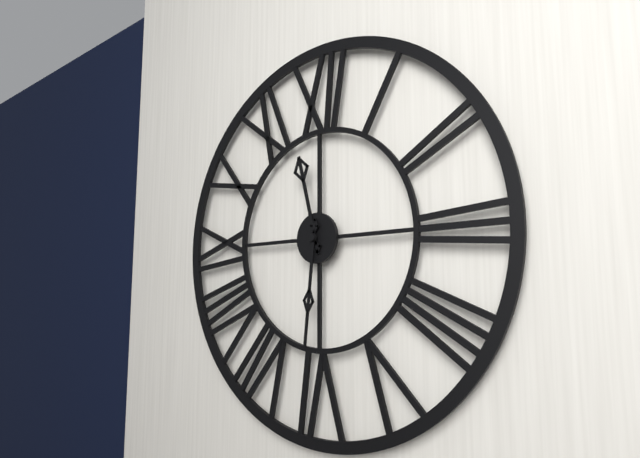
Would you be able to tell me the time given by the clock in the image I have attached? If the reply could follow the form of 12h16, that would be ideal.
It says 11h31
